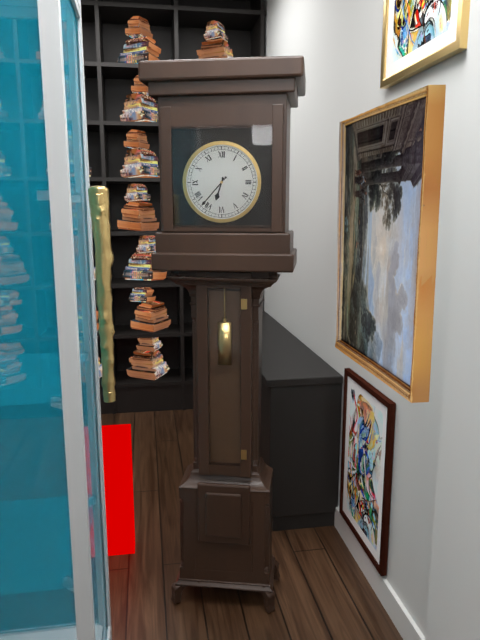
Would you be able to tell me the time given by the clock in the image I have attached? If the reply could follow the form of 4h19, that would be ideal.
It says 6h37
